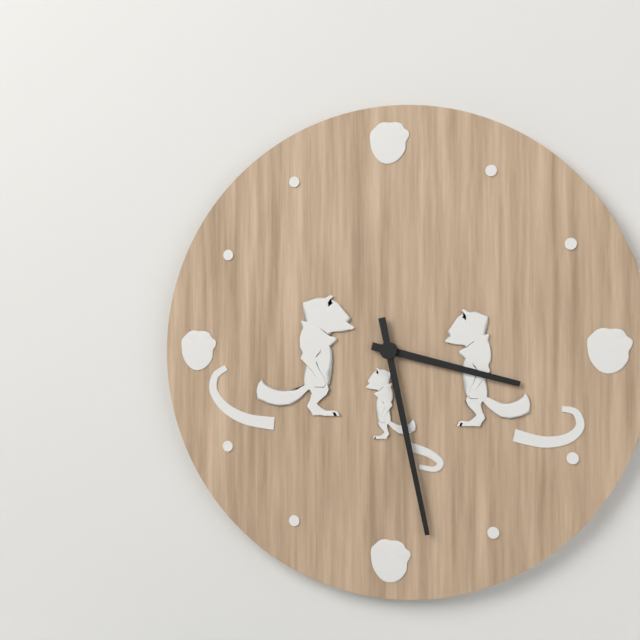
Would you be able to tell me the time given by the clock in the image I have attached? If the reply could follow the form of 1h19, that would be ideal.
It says 3h28
